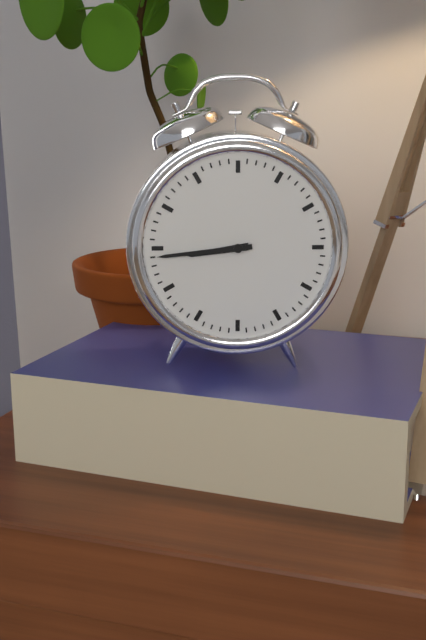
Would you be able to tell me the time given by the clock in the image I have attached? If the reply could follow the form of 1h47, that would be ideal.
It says 8h44
